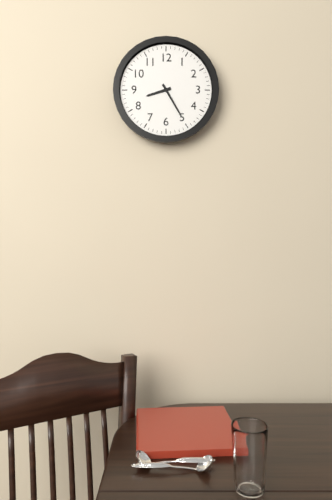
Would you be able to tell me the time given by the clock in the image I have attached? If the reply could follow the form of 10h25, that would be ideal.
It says 8h25
